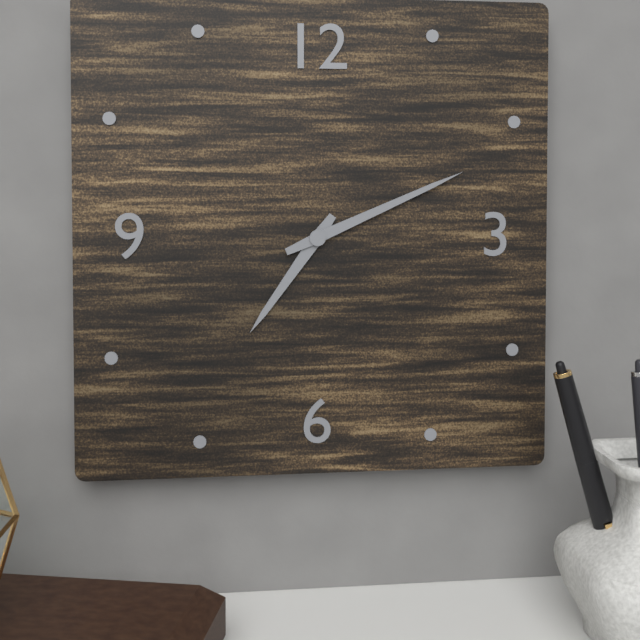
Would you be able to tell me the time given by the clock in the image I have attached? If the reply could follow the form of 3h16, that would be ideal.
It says 7h11
